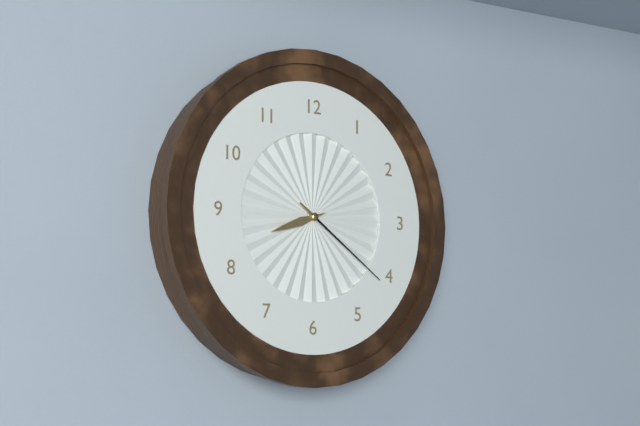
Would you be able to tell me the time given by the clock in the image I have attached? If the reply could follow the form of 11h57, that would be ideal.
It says 8h21
